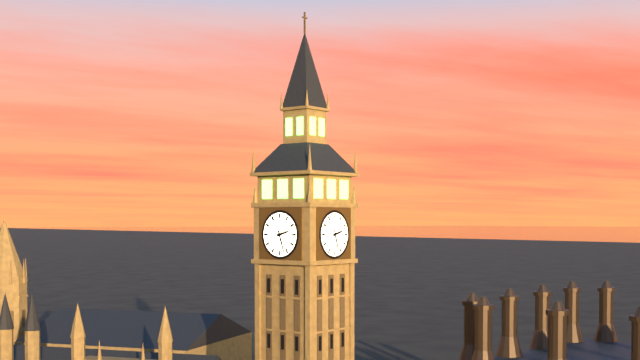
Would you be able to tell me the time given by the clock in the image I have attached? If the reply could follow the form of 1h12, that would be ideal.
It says 2h27
